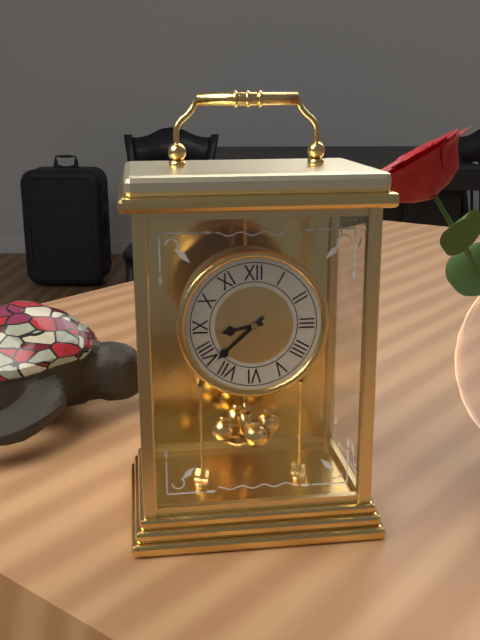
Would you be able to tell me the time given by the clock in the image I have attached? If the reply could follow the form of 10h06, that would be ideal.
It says 8h38
